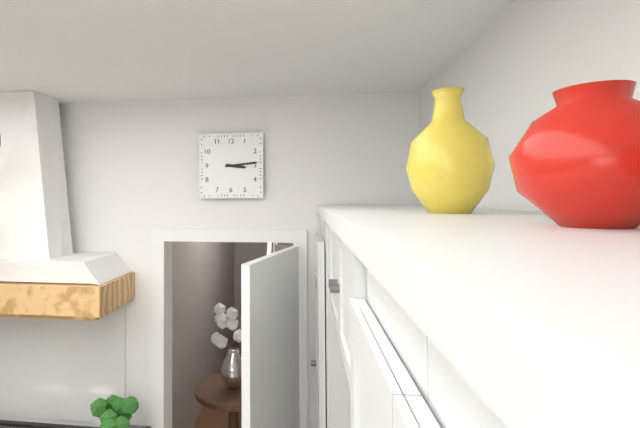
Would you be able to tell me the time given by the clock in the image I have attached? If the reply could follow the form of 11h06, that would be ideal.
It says 3h14
